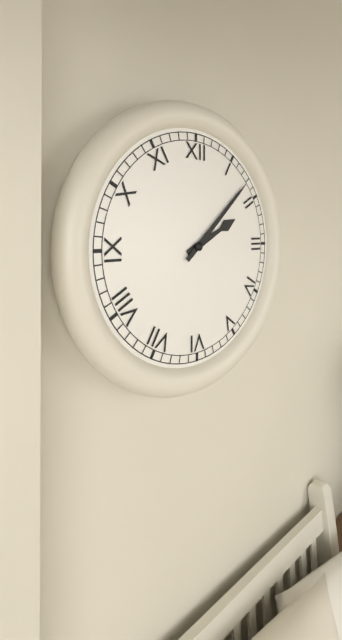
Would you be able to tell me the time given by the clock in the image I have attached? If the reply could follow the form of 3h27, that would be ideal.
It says 2h08
